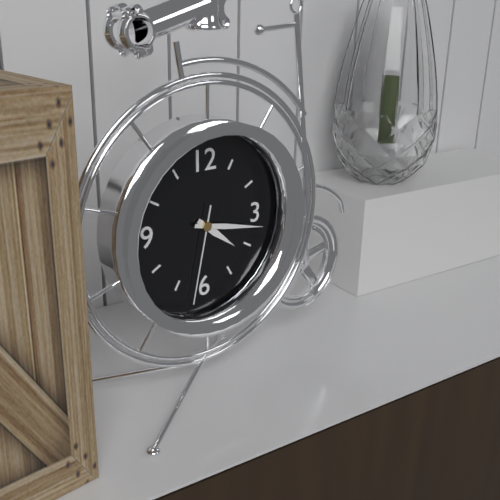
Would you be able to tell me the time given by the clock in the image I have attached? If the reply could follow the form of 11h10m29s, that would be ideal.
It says 4h17m32s
